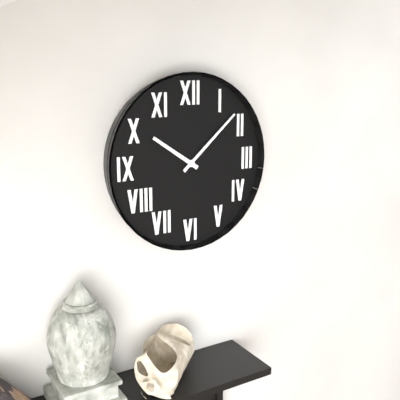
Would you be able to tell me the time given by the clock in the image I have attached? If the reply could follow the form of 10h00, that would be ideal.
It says 10h08
